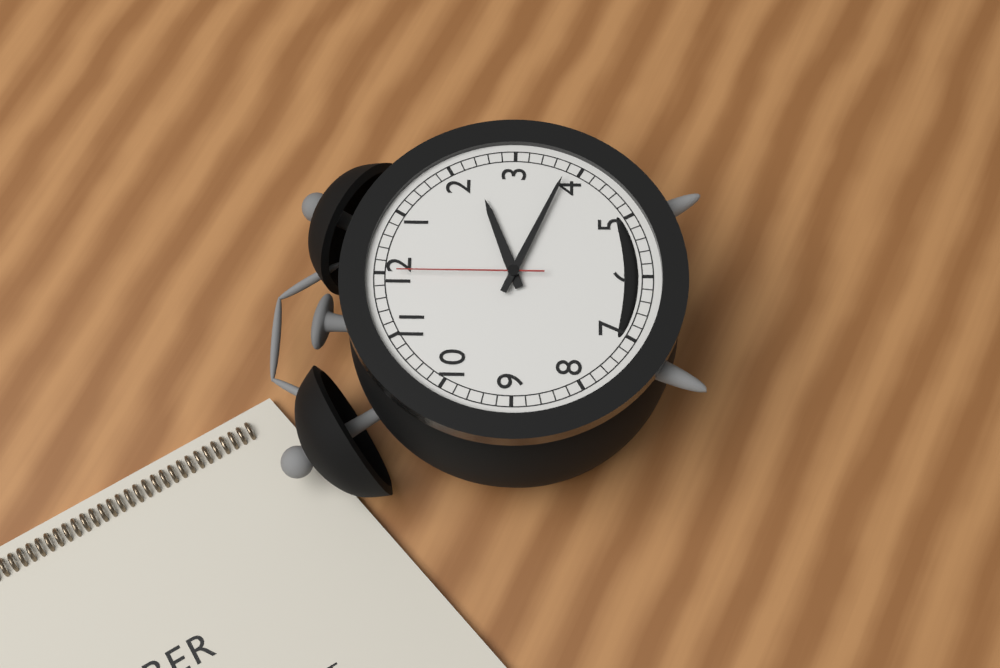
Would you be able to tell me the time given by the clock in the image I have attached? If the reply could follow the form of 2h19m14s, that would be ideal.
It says 2h19m00s
